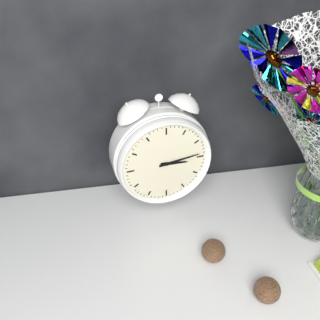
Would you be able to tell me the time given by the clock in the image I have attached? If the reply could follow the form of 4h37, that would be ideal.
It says 3h14
